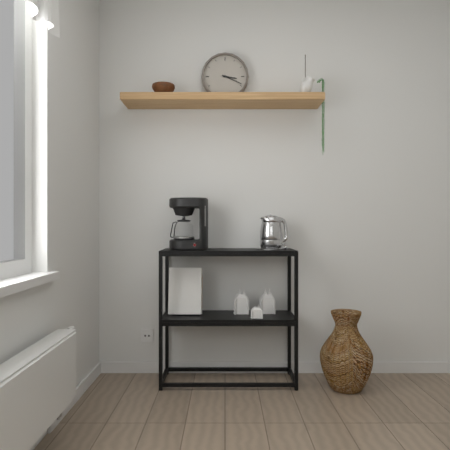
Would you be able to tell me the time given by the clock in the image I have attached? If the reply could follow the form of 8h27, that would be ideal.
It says 3h19
